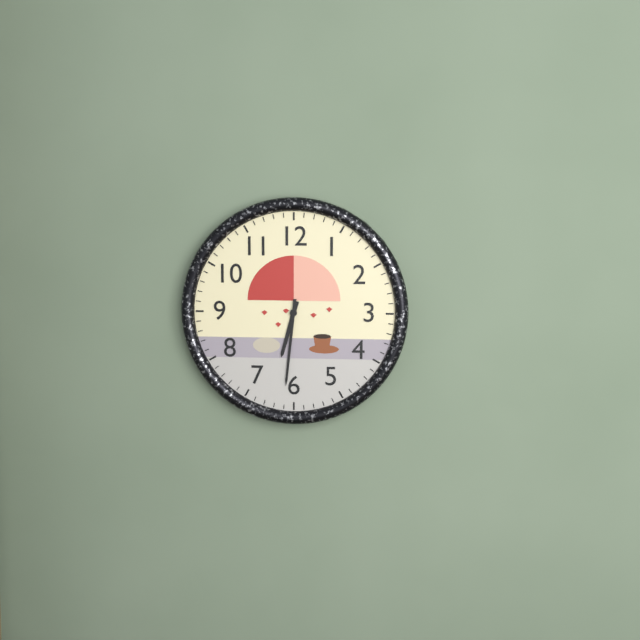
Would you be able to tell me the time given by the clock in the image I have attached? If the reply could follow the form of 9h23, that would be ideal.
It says 6h31
